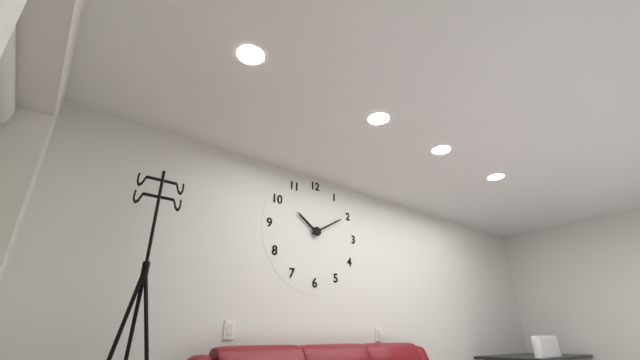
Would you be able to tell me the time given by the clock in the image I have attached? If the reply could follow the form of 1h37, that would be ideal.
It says 10h10
